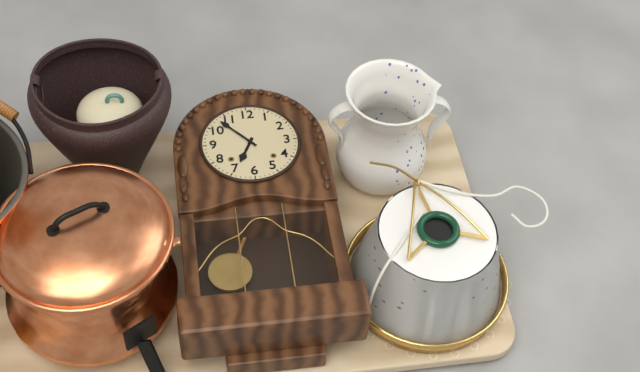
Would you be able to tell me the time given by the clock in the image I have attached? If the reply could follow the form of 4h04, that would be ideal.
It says 6h53
